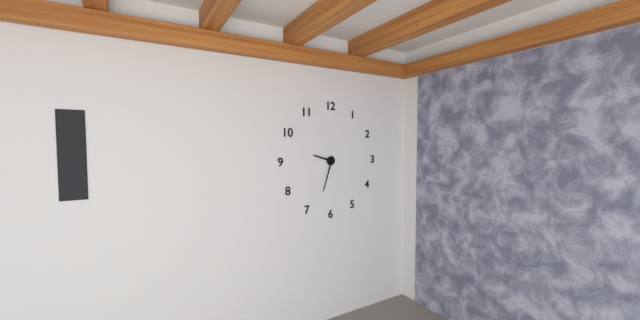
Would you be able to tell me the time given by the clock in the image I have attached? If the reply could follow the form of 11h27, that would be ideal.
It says 9h33
